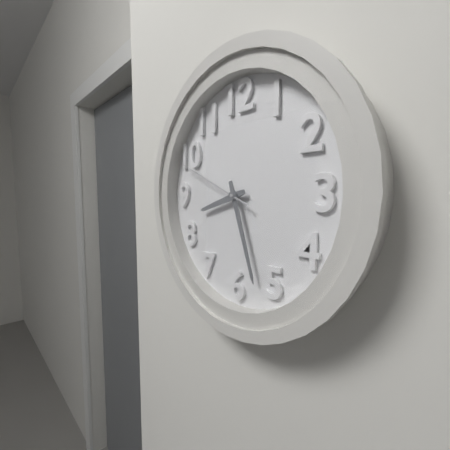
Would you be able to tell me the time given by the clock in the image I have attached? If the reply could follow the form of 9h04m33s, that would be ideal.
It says 8h27m49s
